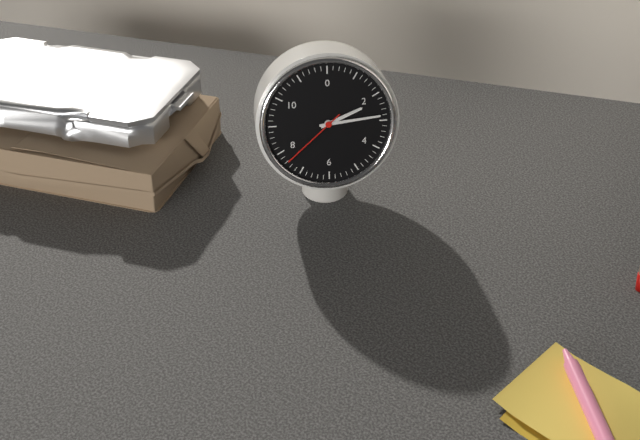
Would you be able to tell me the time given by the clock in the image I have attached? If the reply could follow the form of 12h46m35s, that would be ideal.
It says 2h14m38s
